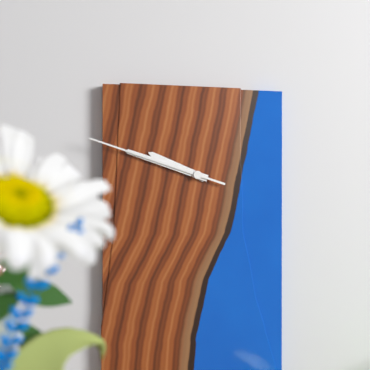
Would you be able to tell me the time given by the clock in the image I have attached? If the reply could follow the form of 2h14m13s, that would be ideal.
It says 9h48m48s
